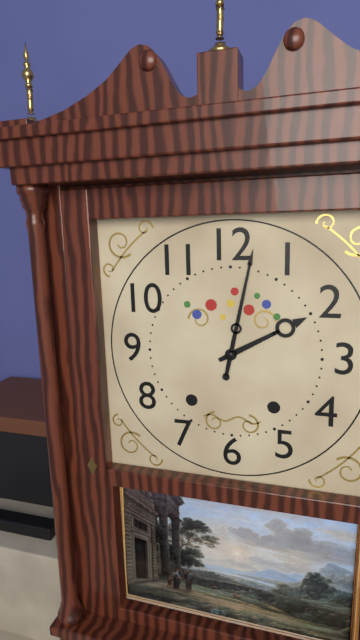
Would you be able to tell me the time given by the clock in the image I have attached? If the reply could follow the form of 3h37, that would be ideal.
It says 2h02
